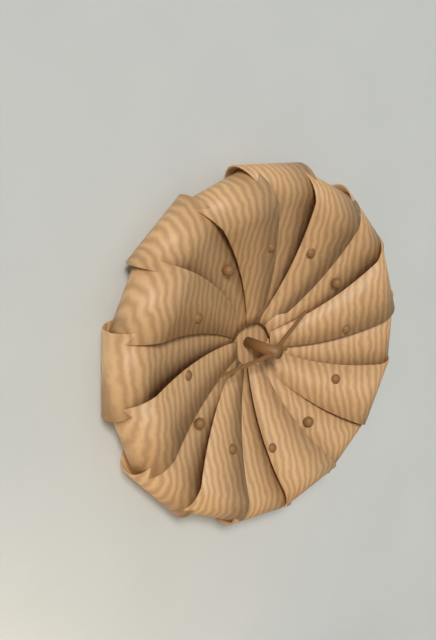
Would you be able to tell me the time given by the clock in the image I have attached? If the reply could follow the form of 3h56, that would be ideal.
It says 1h44
